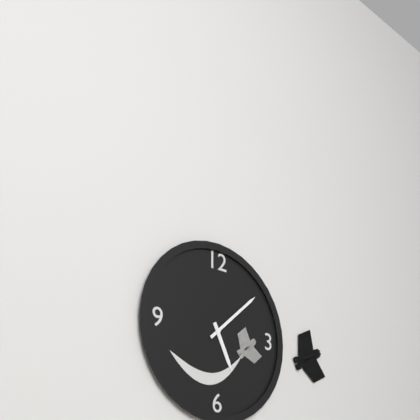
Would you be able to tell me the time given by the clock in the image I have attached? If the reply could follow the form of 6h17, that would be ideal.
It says 5h08
